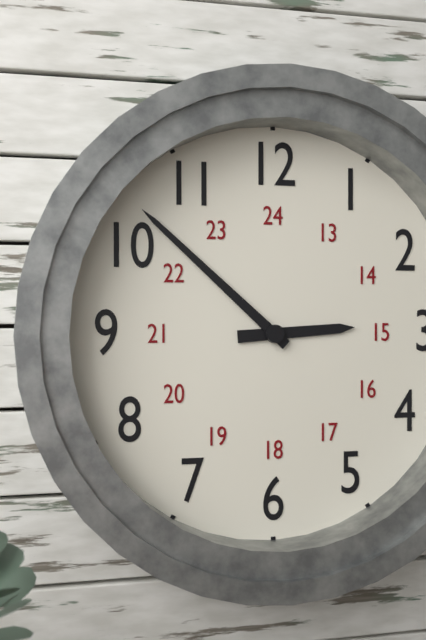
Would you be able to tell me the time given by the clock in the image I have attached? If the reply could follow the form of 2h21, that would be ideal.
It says 2h52
